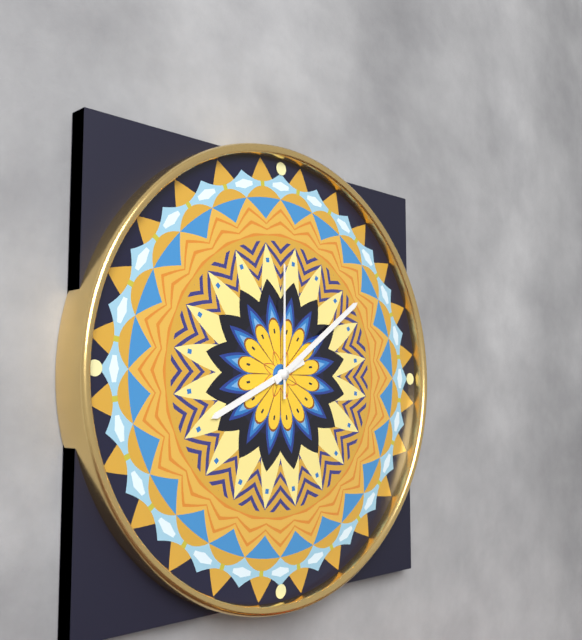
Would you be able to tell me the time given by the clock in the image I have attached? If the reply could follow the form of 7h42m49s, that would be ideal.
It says 8h09m00s
